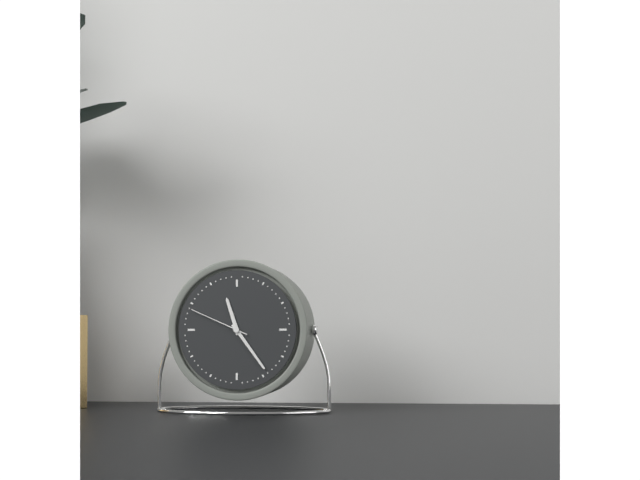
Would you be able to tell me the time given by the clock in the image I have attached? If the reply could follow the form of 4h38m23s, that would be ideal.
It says 11h24m49s
